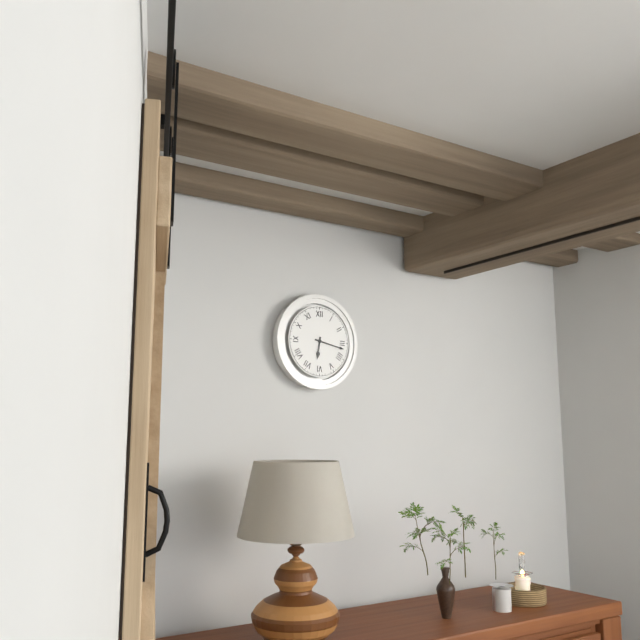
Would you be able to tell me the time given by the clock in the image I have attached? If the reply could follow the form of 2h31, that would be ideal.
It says 6h17
